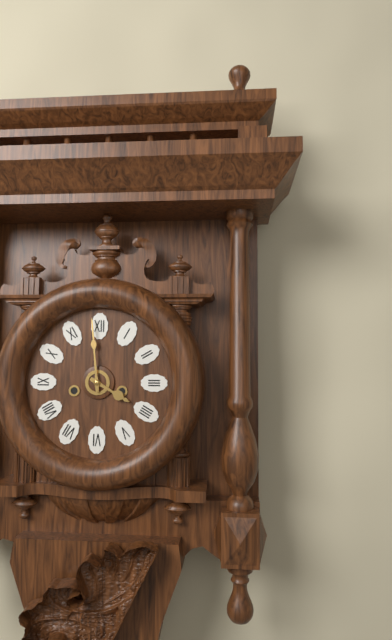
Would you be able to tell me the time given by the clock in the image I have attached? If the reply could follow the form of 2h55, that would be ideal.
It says 3h59
